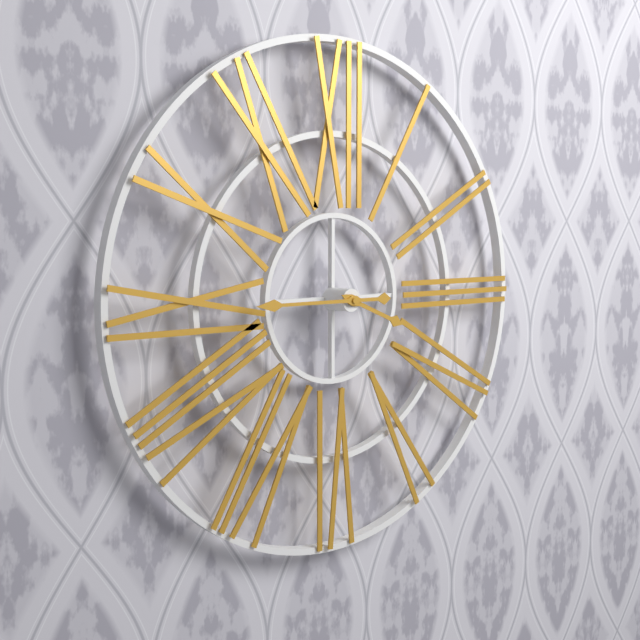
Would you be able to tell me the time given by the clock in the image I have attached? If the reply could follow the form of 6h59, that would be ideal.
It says 3h45
